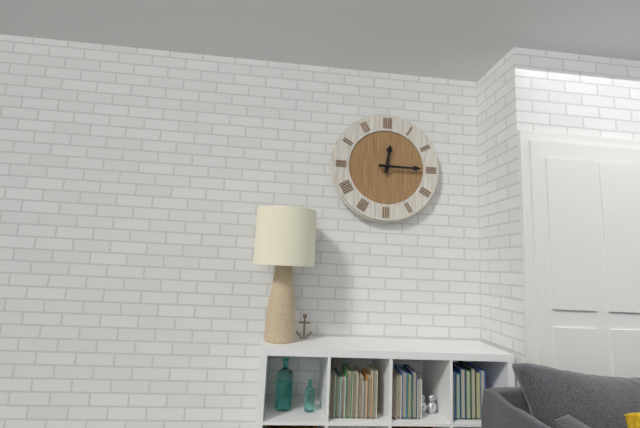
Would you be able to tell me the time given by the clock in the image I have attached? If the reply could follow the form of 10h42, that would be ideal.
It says 12h15
